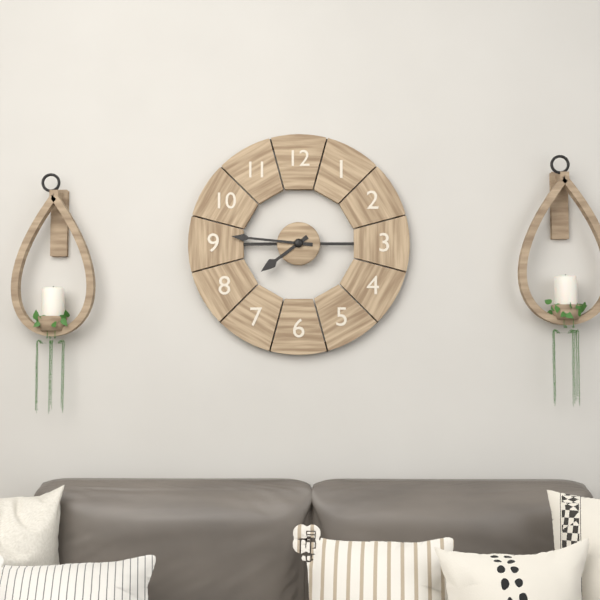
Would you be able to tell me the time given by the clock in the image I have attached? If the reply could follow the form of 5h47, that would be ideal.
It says 7h46
